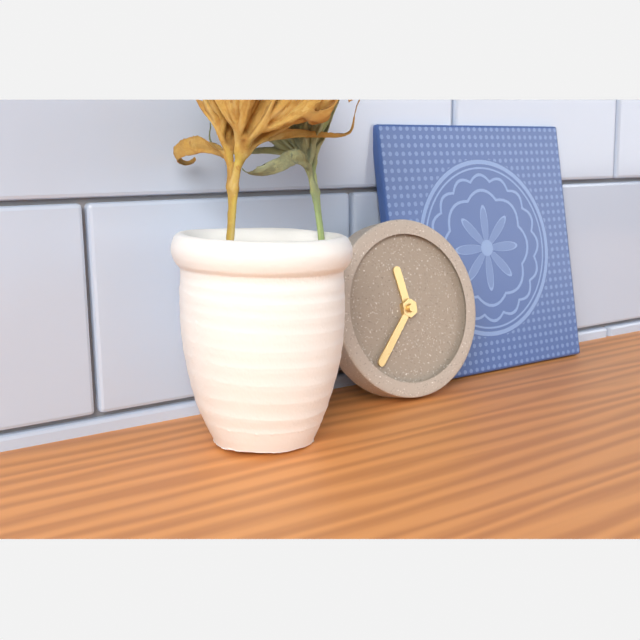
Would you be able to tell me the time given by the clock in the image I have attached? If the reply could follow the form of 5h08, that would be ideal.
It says 11h37
